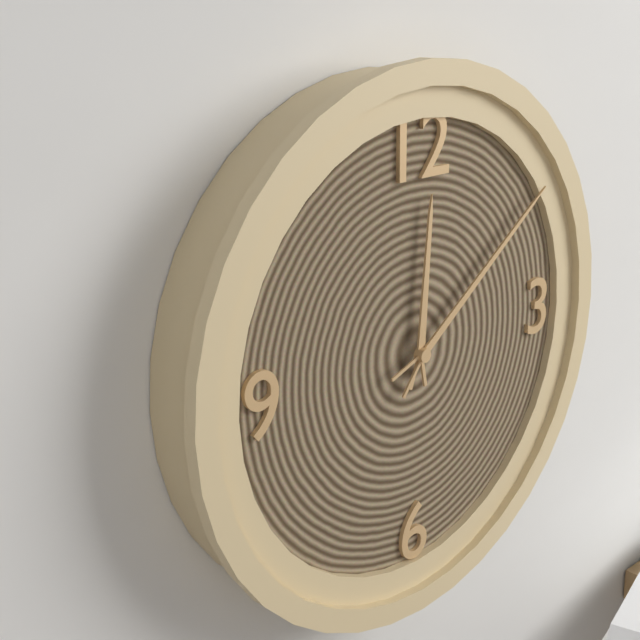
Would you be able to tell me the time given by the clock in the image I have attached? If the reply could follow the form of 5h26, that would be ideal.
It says 12h09
